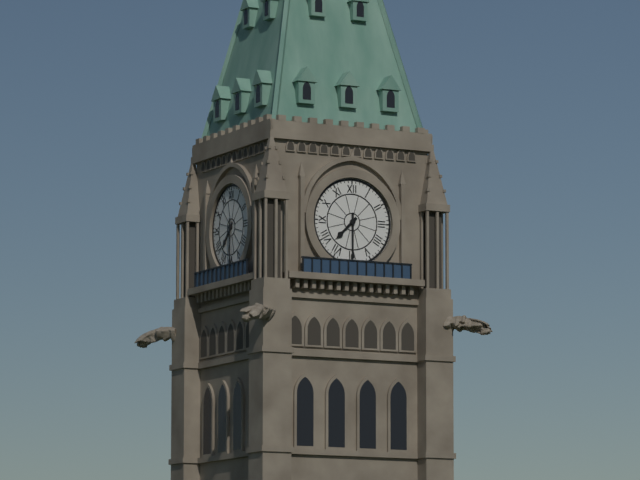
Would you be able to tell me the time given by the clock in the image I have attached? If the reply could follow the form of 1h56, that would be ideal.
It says 7h30
